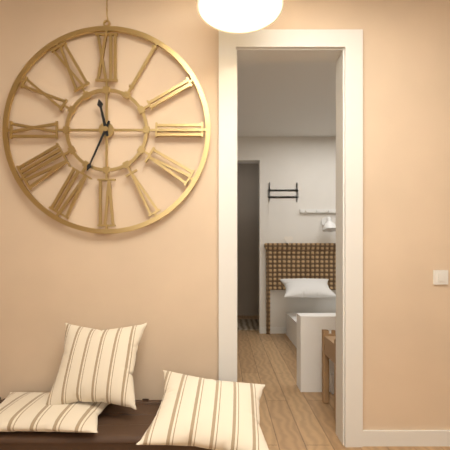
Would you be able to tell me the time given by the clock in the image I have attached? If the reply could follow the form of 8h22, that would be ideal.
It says 11h34
